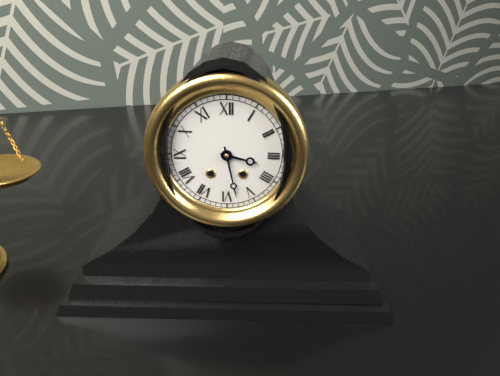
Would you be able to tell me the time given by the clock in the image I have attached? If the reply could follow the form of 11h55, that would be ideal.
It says 3h28
